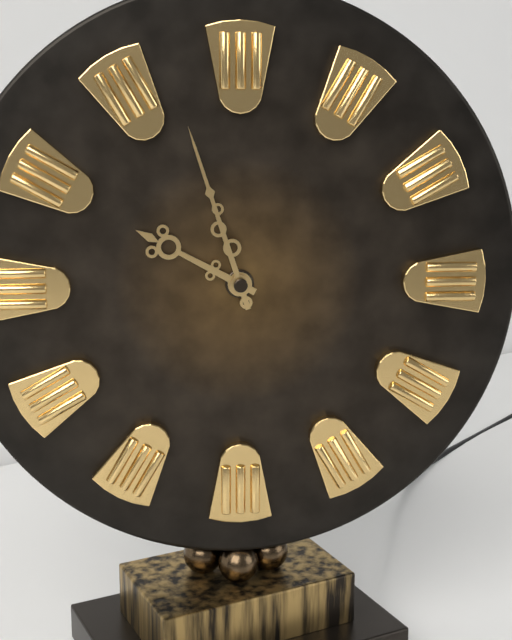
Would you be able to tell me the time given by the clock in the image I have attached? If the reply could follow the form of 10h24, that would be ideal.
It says 9h57
